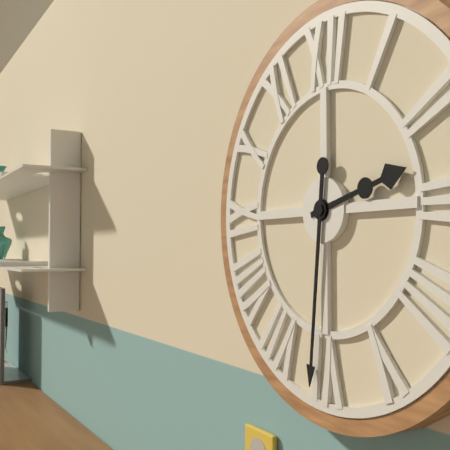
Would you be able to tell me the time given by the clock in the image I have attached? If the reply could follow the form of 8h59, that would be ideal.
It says 2h31
